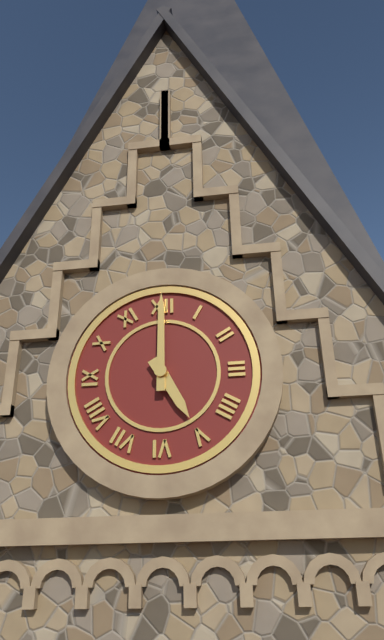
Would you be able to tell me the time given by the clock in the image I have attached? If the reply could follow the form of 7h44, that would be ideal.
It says 5h00
